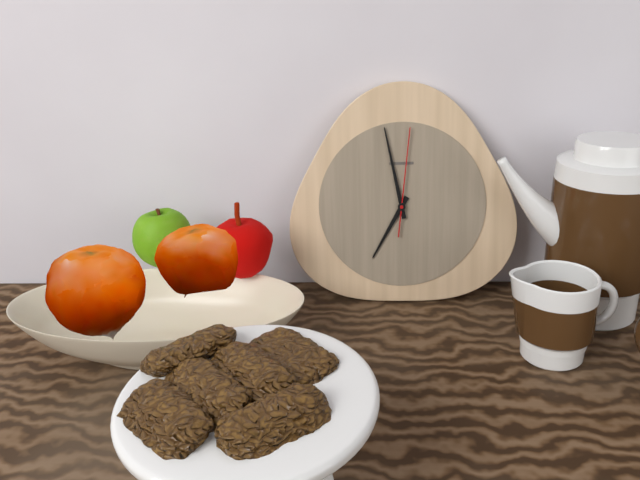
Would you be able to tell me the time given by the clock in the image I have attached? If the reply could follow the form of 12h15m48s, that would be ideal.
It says 6h58m01s
